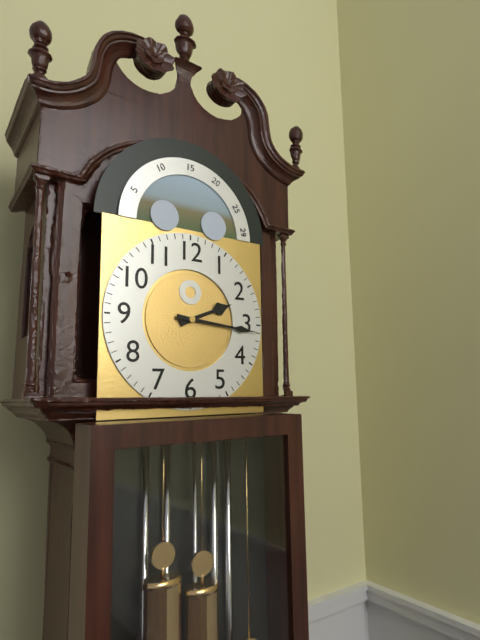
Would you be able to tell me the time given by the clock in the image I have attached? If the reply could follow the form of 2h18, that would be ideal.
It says 2h16
